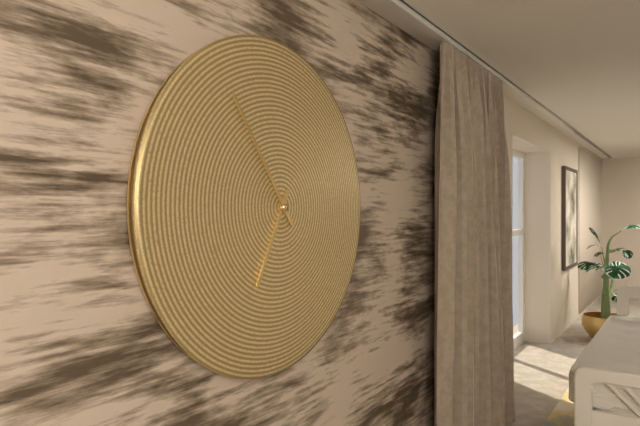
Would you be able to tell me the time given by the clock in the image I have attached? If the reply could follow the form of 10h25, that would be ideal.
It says 6h54
